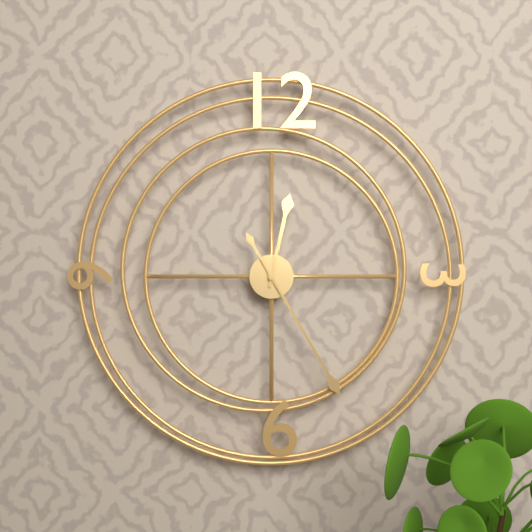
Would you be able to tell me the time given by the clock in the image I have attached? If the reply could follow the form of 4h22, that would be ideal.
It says 12h25
